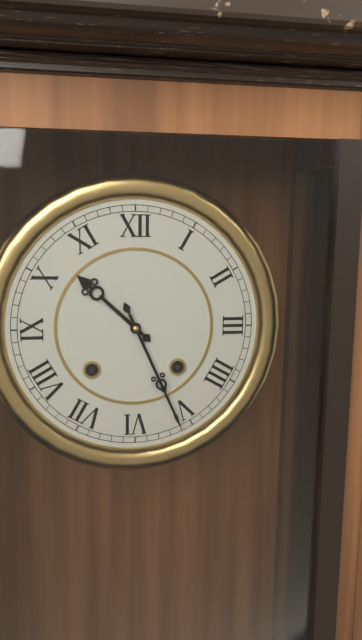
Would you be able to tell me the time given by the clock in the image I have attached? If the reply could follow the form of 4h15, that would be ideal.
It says 10h26
